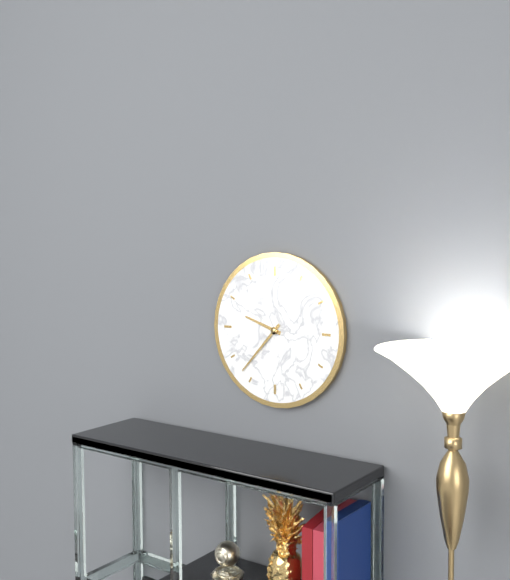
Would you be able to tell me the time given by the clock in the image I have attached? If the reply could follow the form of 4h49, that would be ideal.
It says 9h37
